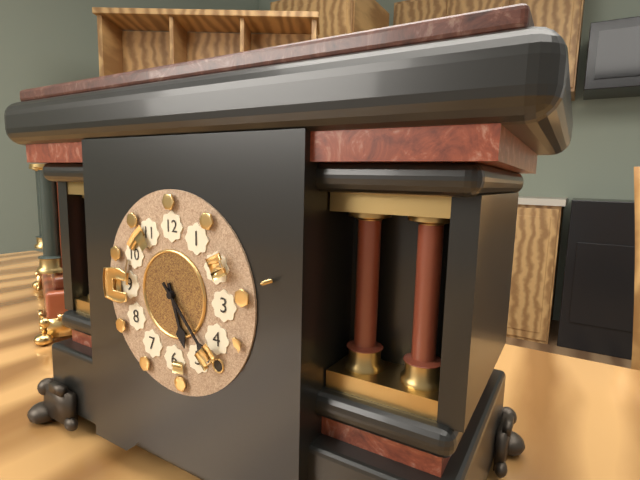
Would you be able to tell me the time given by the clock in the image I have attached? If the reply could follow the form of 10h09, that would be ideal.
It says 5h23
